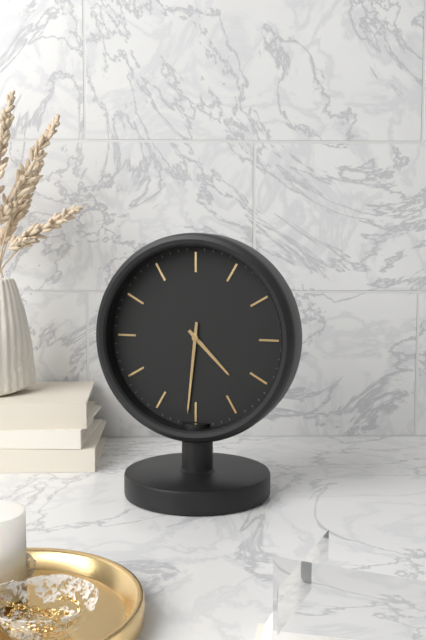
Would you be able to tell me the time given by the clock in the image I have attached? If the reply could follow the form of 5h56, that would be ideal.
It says 4h31
